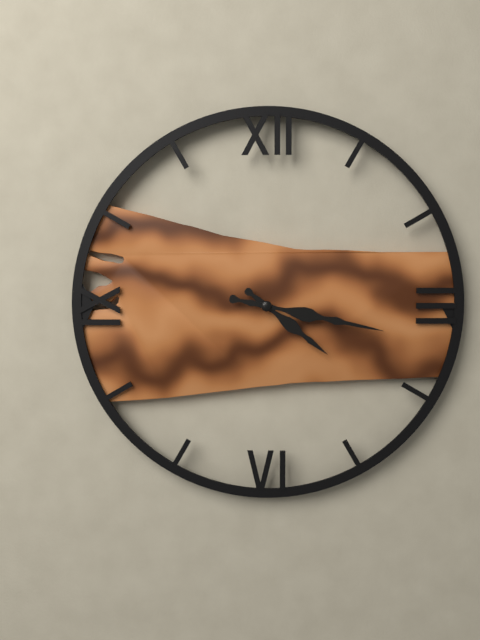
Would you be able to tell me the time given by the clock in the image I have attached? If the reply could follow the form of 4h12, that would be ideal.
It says 4h17
